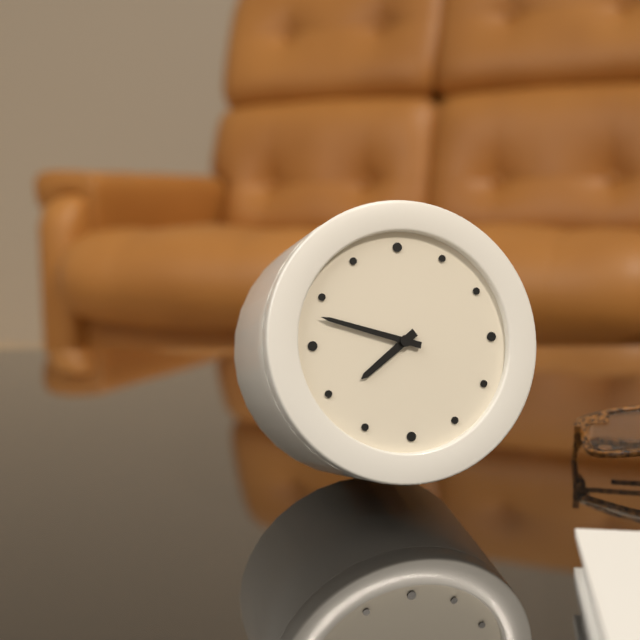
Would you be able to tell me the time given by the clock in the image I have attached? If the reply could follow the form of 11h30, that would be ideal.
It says 7h48
